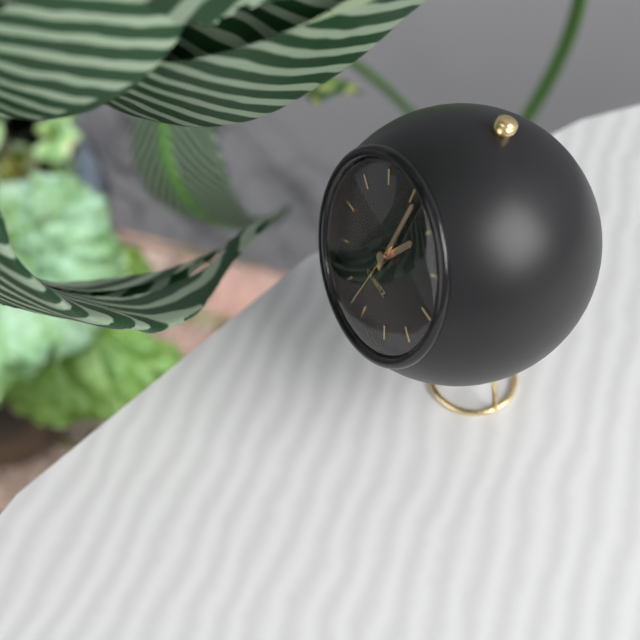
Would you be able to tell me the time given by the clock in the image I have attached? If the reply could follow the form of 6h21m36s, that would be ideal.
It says 1h01m32s
